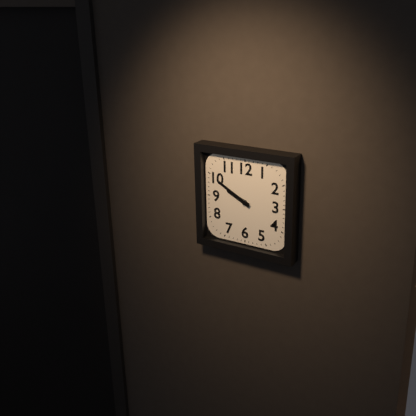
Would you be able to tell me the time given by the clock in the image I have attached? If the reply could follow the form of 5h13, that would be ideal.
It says 9h50
